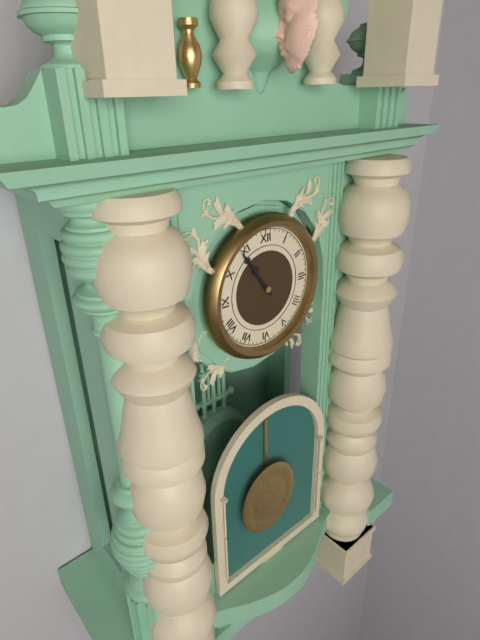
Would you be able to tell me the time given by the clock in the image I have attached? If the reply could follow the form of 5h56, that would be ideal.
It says 10h54
